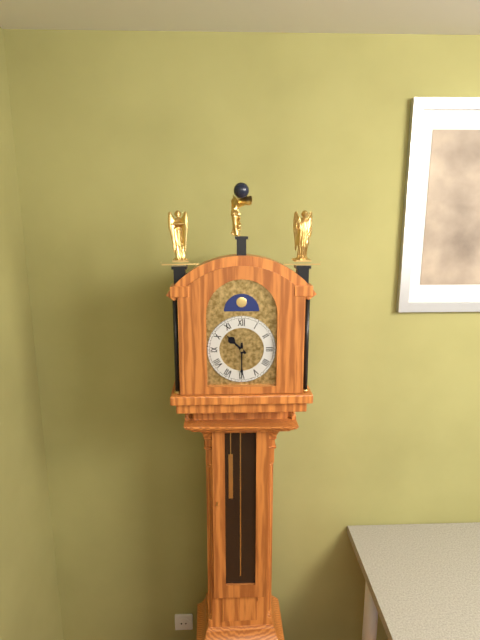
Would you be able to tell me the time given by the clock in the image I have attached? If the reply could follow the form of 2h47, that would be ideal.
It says 10h30
